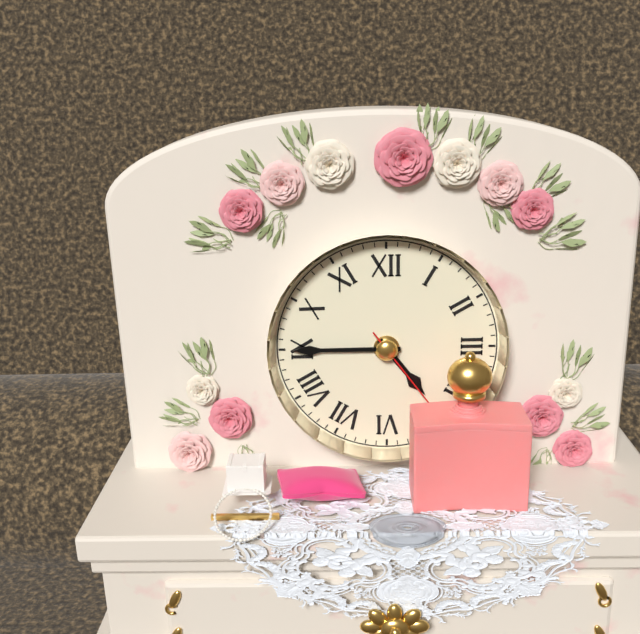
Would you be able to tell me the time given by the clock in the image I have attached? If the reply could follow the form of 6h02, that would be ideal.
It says 4h45
